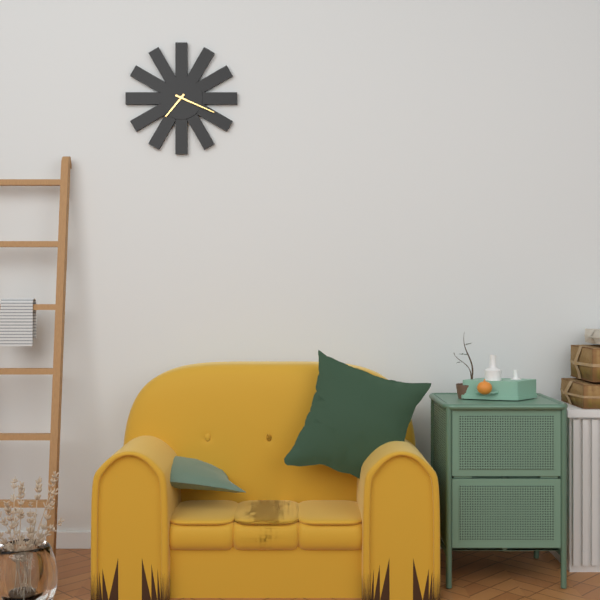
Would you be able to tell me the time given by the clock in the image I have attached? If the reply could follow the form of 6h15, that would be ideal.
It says 7h19
